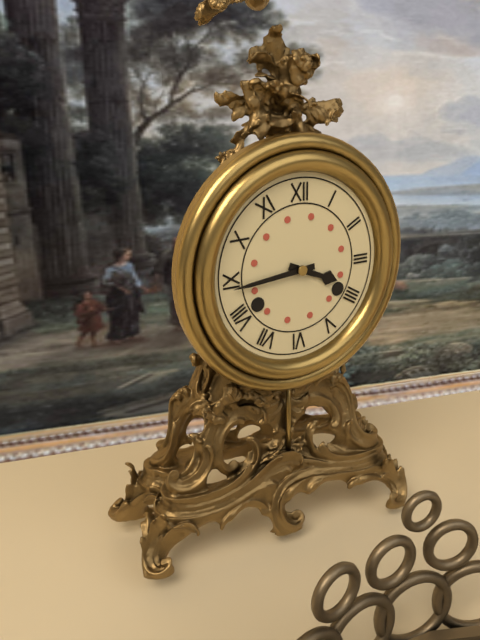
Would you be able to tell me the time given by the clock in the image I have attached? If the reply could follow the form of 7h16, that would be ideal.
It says 3h44
